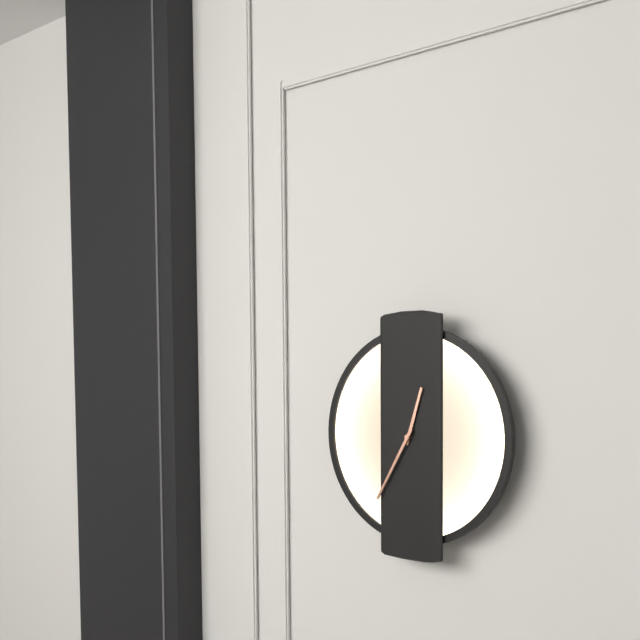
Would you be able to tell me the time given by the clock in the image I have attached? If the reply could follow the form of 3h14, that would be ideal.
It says 12h35
